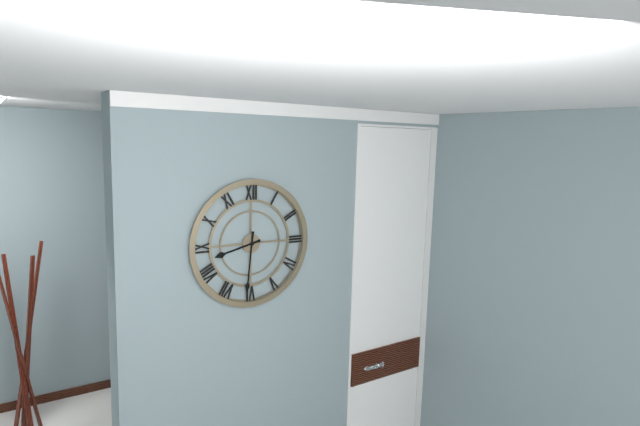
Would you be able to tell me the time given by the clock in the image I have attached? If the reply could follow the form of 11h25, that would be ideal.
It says 8h31
